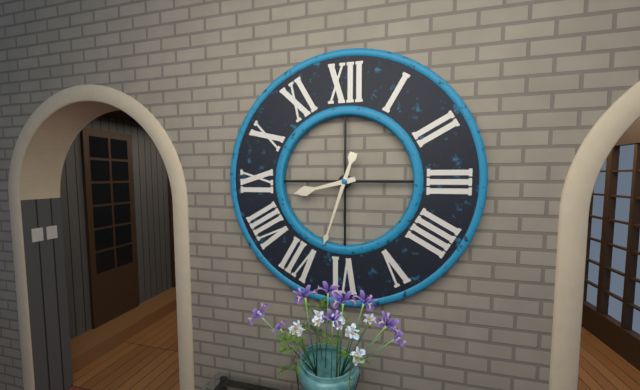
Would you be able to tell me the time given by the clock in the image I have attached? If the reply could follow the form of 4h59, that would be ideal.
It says 8h33
